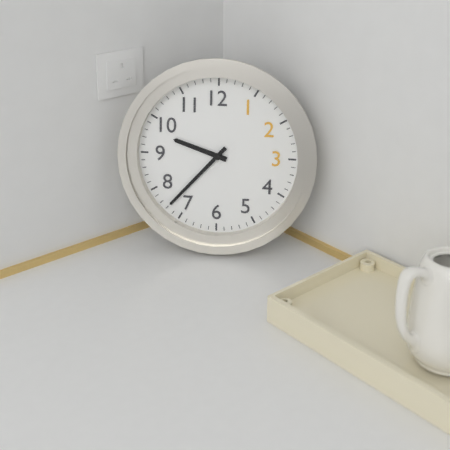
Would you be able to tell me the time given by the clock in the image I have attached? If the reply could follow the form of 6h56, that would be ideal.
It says 9h37
